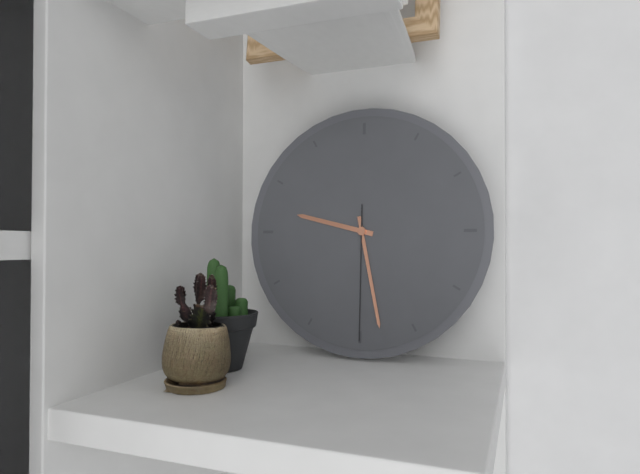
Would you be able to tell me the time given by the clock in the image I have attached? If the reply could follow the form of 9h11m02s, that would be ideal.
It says 9h28m30s
